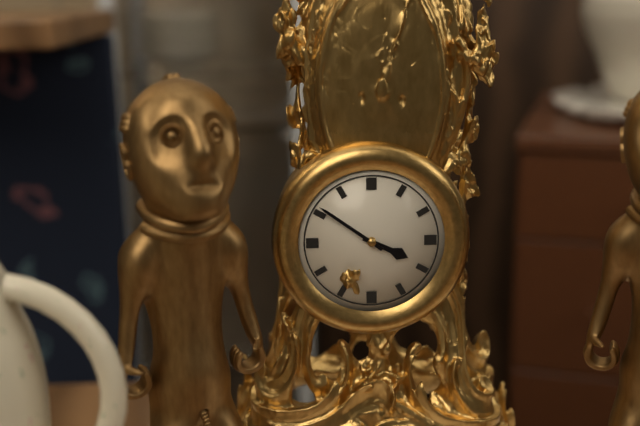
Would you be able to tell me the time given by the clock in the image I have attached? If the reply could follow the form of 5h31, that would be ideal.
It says 3h51
